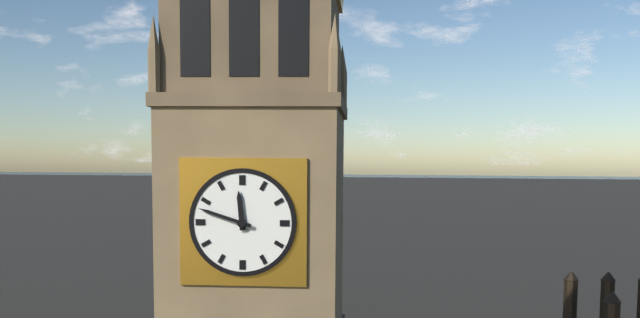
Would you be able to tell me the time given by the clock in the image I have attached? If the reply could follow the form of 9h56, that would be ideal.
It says 11h48
